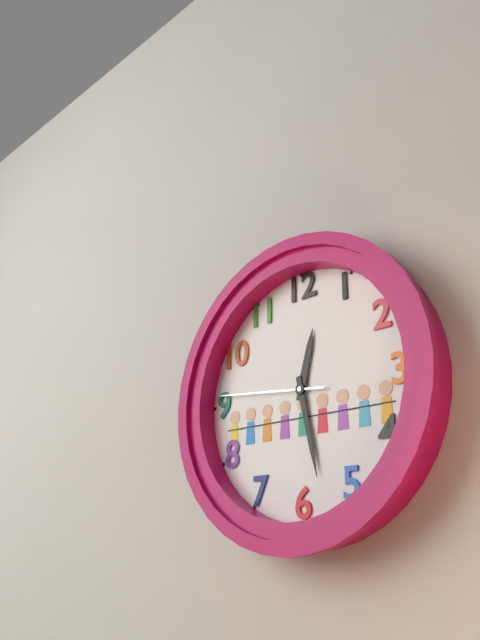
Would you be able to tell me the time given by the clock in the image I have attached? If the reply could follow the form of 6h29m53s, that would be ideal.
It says 12h28m46s
